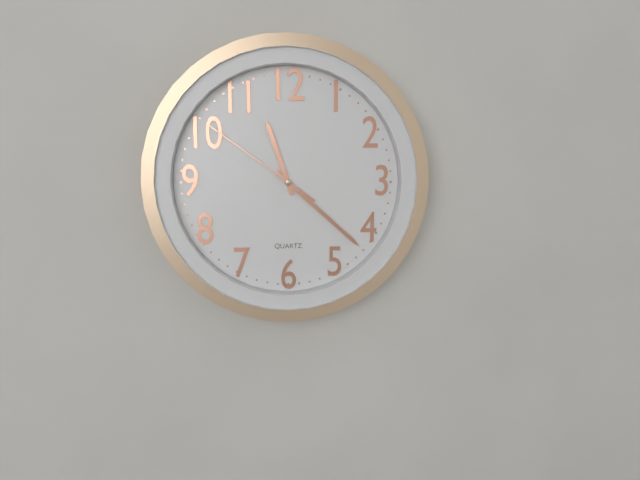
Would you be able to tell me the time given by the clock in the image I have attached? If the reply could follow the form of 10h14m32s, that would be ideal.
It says 11h22m51s
